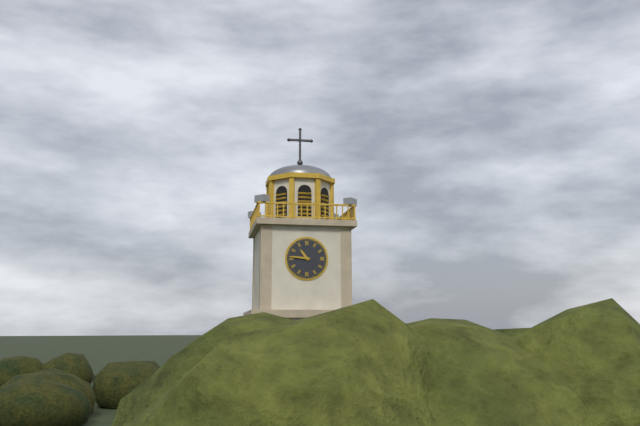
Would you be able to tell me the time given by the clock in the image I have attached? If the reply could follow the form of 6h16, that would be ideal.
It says 10h46
